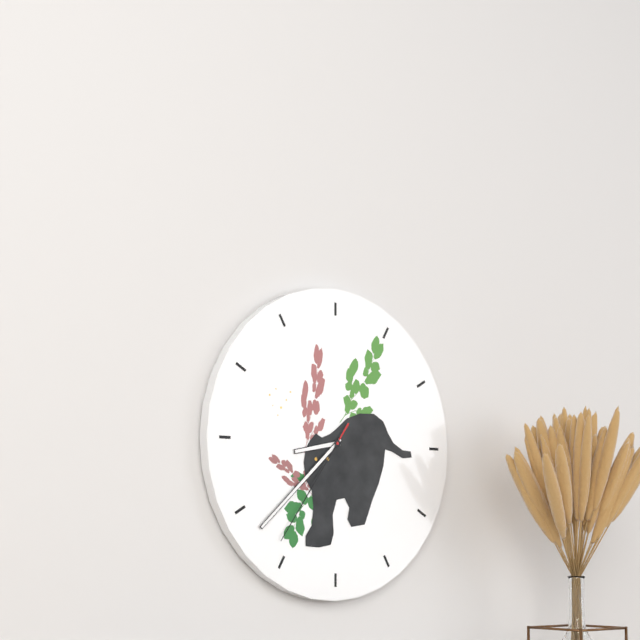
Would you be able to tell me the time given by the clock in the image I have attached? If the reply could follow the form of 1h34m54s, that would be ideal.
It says 8h38m36s
